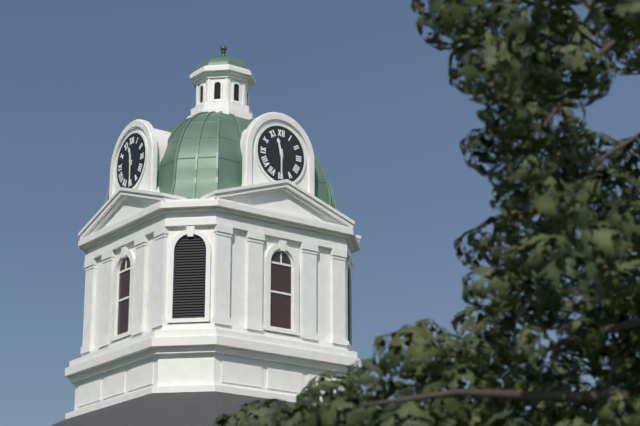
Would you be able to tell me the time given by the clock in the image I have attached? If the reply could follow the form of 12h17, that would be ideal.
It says 11h30
